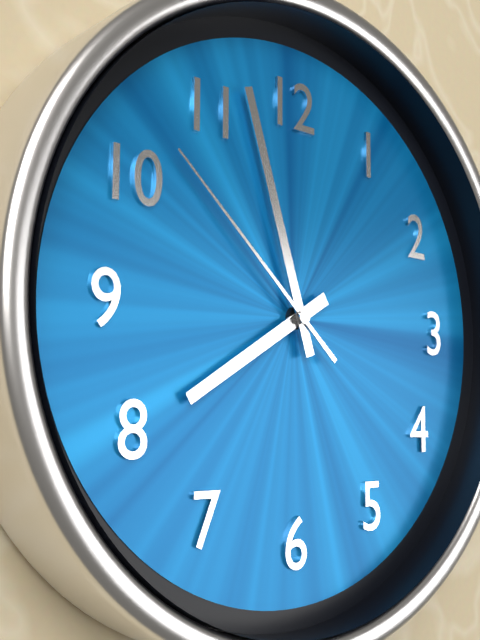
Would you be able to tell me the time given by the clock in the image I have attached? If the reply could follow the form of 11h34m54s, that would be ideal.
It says 7h57m52s
